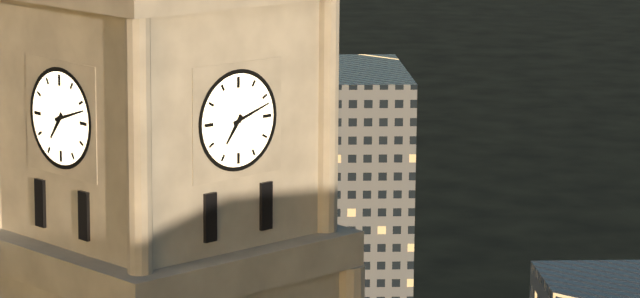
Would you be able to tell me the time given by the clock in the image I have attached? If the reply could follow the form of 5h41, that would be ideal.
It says 7h12
